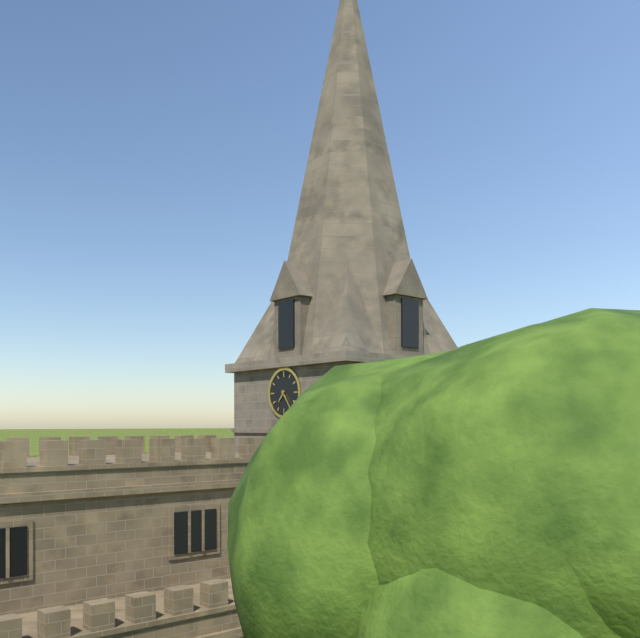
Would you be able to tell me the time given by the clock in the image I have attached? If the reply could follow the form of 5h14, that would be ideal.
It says 7h24
